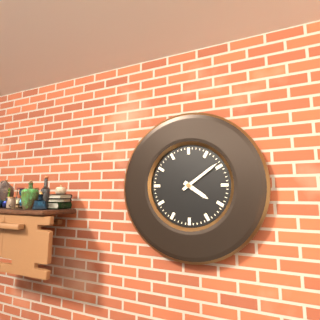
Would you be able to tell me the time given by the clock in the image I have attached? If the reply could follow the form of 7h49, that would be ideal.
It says 4h09
